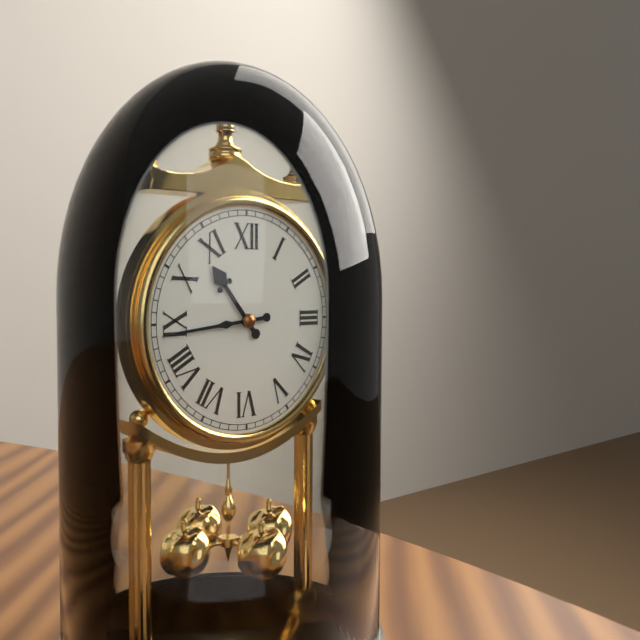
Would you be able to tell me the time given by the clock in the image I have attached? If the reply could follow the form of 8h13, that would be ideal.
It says 10h44
